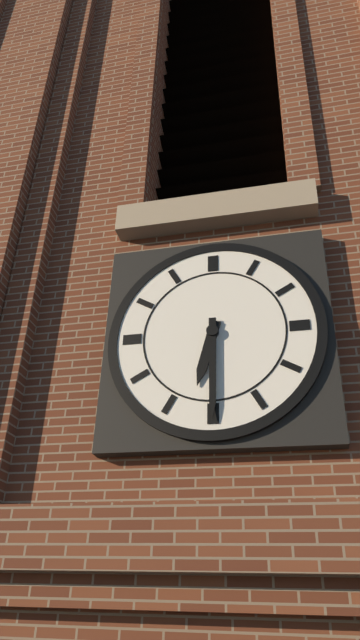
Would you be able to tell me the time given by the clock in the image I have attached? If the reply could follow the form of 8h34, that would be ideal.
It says 6h30
